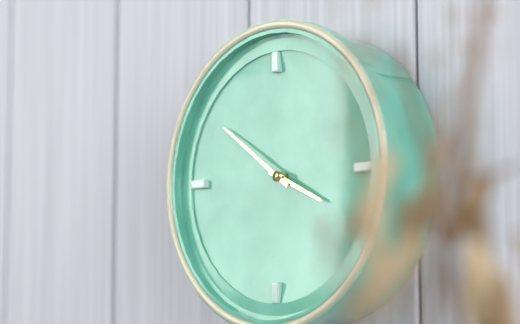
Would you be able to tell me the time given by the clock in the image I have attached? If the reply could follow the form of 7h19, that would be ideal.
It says 3h51
